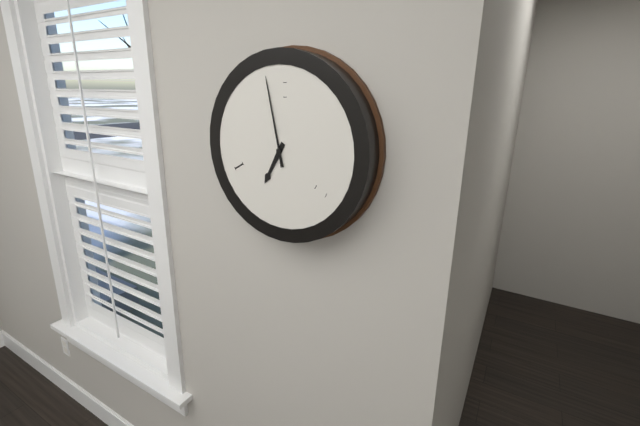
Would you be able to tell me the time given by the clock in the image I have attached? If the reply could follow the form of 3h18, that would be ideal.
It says 6h58
